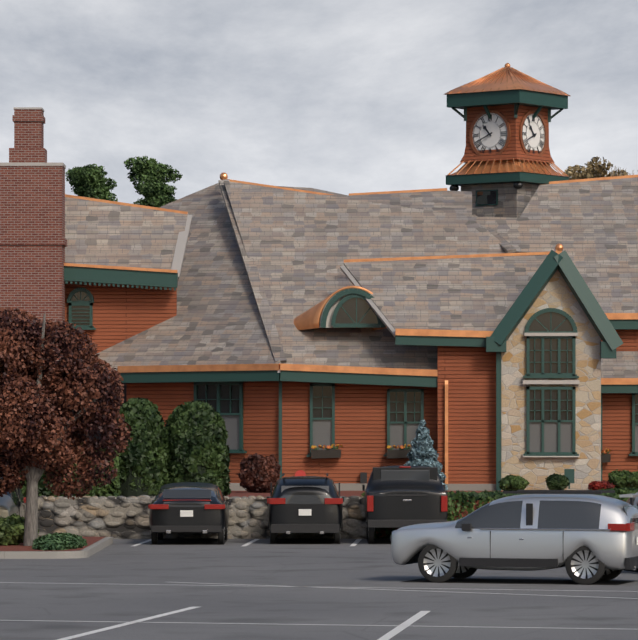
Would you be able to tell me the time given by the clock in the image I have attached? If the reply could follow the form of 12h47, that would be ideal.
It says 10h41
